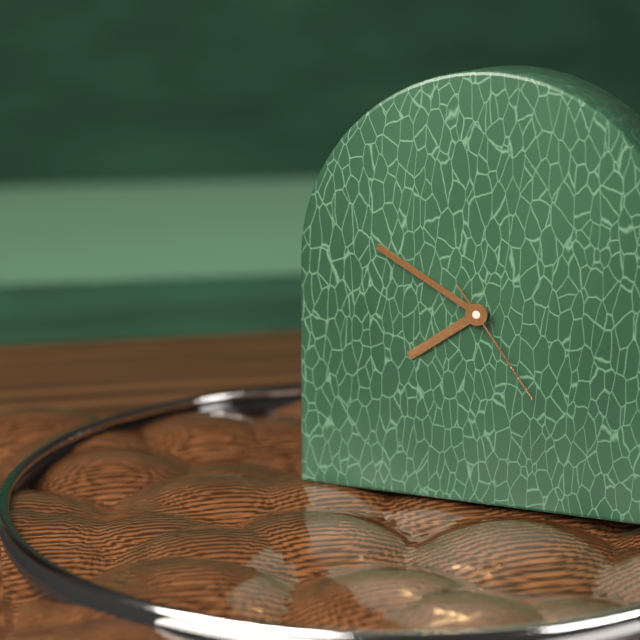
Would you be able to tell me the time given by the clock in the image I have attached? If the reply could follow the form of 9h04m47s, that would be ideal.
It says 7h50m24s
